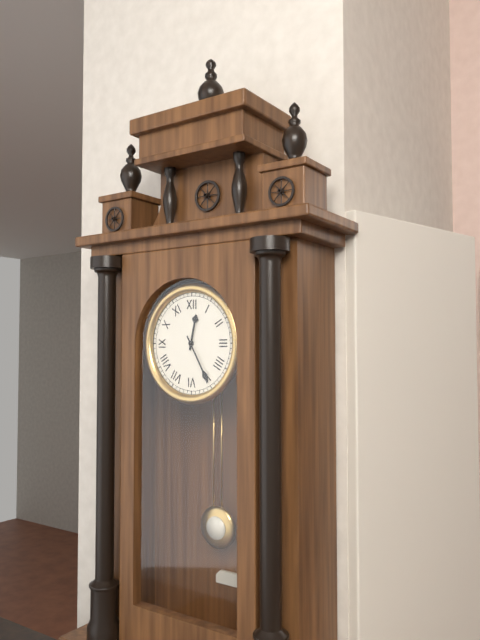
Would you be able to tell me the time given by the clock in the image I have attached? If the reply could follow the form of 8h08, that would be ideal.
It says 12h25
